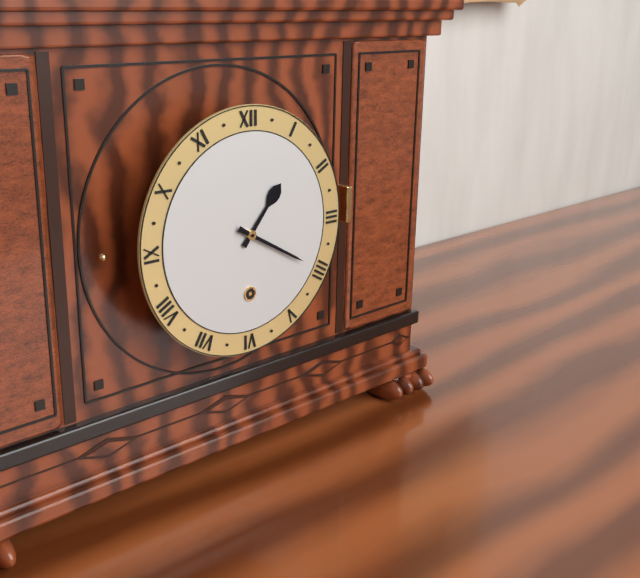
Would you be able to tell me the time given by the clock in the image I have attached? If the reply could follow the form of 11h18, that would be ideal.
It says 1h20
